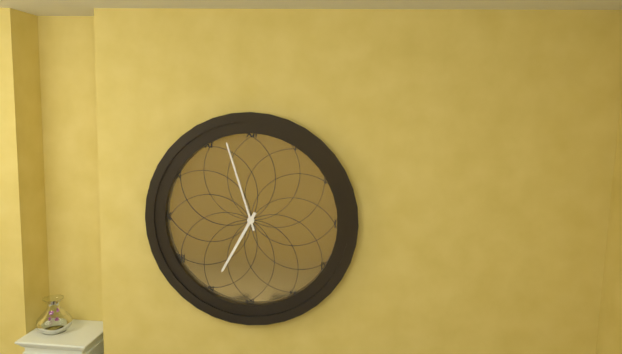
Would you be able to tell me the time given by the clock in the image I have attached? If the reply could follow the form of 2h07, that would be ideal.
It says 6h57
